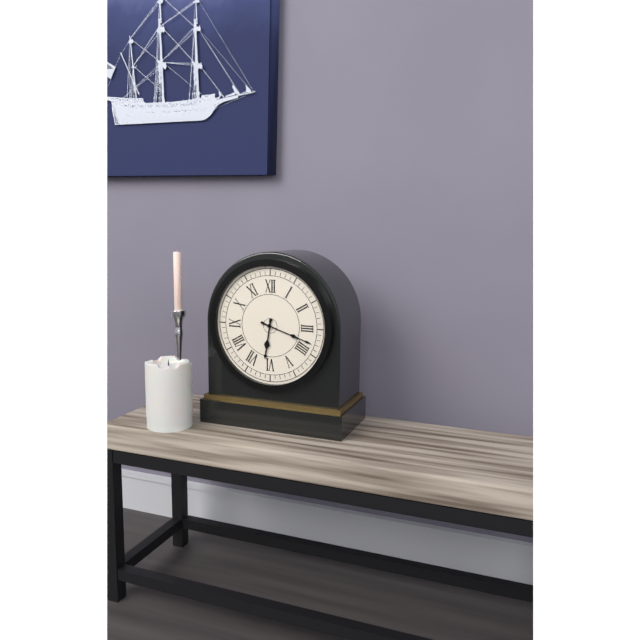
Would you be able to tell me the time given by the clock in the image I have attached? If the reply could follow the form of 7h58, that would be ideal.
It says 6h18
